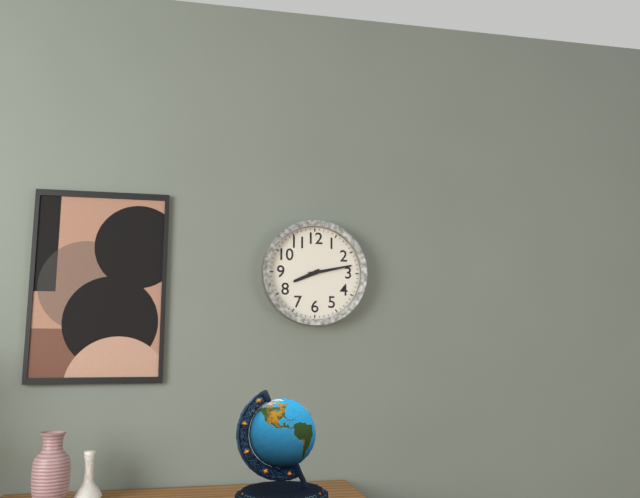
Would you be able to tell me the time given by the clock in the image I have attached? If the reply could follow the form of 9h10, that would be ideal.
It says 8h13
